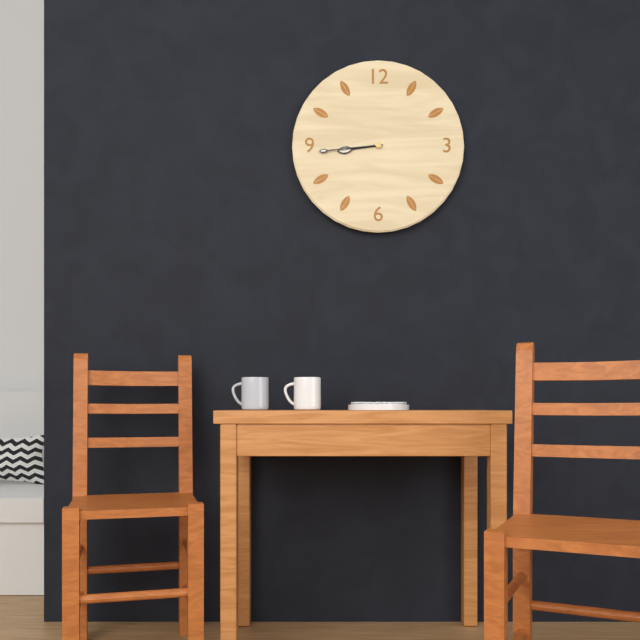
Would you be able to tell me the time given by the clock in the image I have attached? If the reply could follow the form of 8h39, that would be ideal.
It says 8h44
